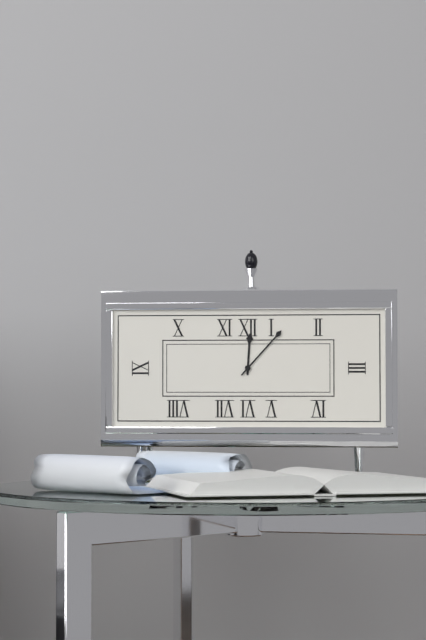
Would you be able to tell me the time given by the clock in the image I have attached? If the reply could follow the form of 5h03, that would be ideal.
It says 12h07
